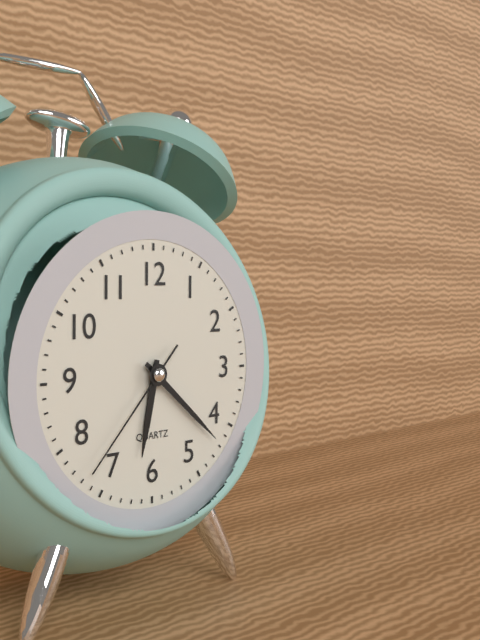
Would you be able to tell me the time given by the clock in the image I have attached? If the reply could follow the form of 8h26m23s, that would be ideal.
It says 6h22m37s
